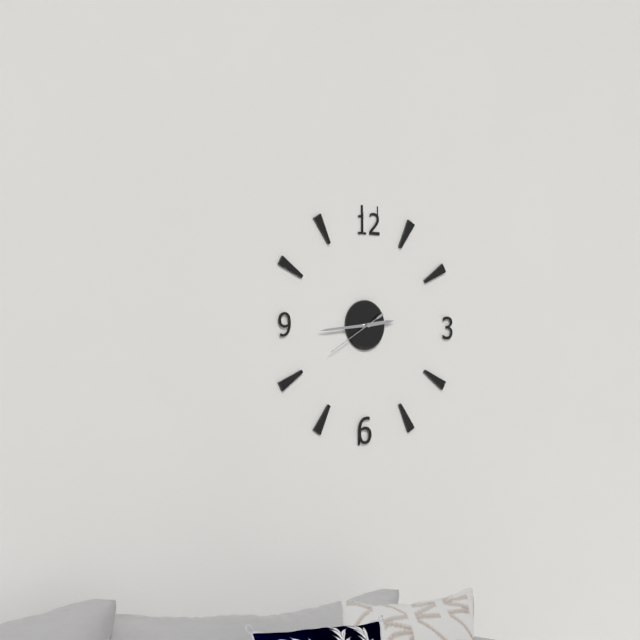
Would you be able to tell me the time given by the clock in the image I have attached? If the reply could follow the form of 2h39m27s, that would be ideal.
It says 2h44m40s
